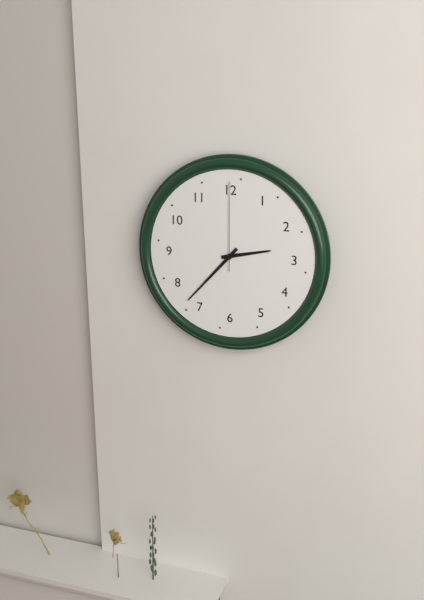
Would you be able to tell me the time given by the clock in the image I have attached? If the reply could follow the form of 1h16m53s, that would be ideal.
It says 2h37m00s
